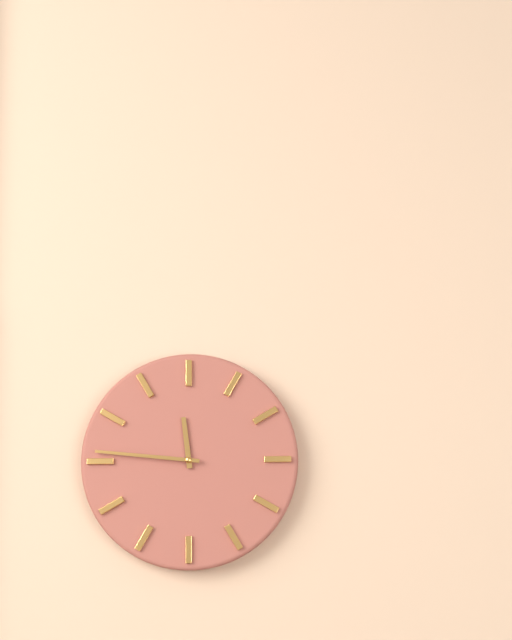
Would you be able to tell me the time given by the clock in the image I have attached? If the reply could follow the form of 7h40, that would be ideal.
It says 11h46
